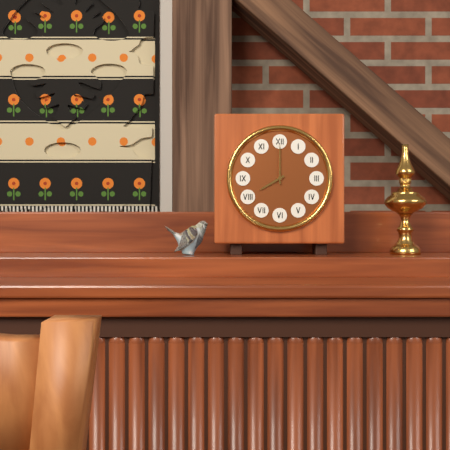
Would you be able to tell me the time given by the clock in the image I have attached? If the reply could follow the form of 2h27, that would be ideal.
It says 8h00
